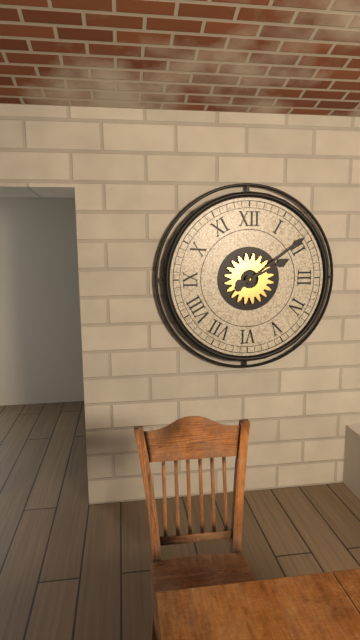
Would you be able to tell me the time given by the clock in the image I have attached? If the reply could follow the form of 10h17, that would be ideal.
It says 2h09
